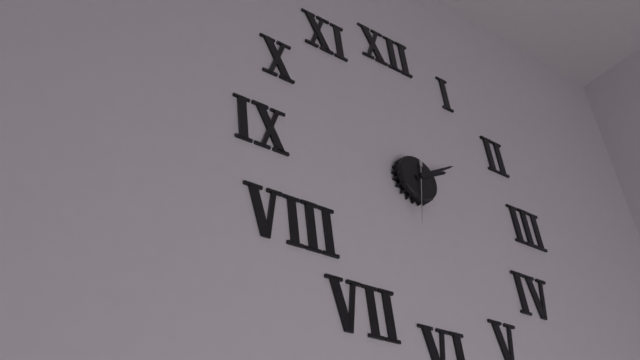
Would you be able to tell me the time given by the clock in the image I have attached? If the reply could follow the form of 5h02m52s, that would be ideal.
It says 2h10m32s
